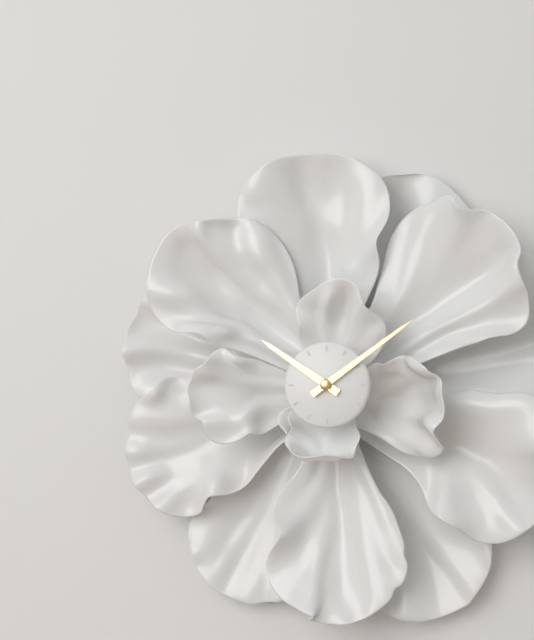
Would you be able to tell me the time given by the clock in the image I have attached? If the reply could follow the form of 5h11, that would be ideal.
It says 10h09
